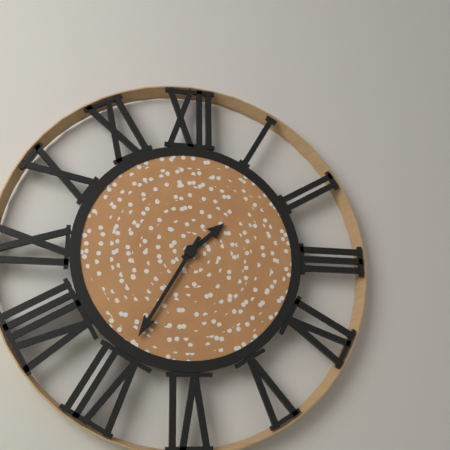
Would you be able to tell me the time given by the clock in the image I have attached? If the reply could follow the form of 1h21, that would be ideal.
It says 1h35
